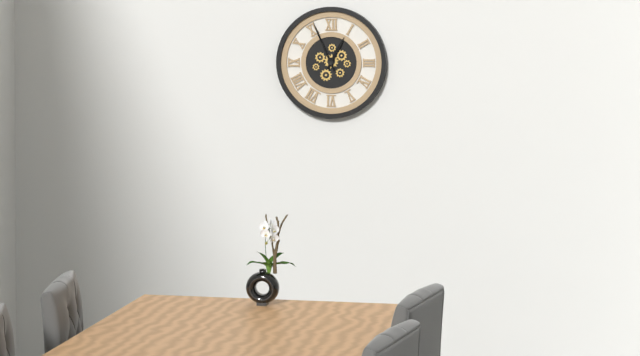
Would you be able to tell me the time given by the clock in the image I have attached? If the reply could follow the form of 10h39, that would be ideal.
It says 12h56
